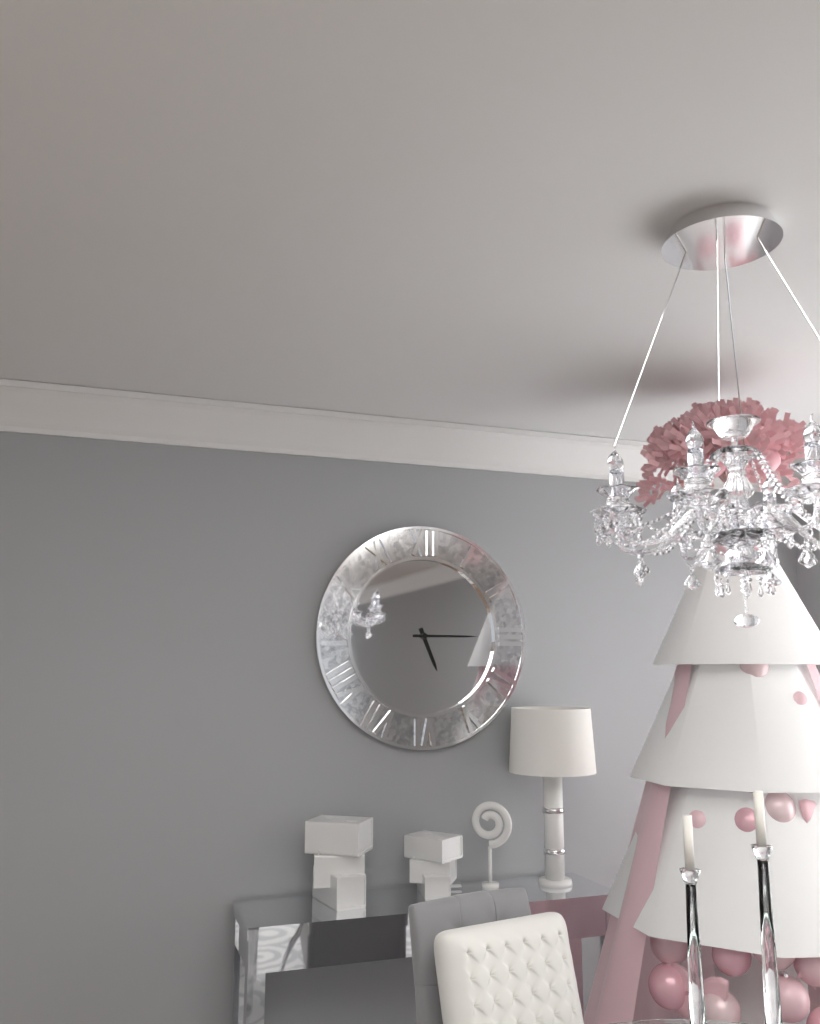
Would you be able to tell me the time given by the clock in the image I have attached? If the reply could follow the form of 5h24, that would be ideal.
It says 5h15
